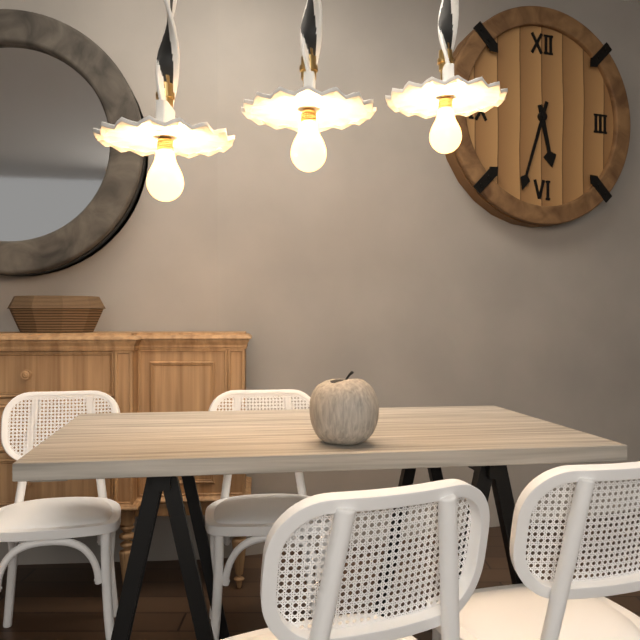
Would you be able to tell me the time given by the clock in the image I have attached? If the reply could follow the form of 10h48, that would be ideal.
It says 5h33
